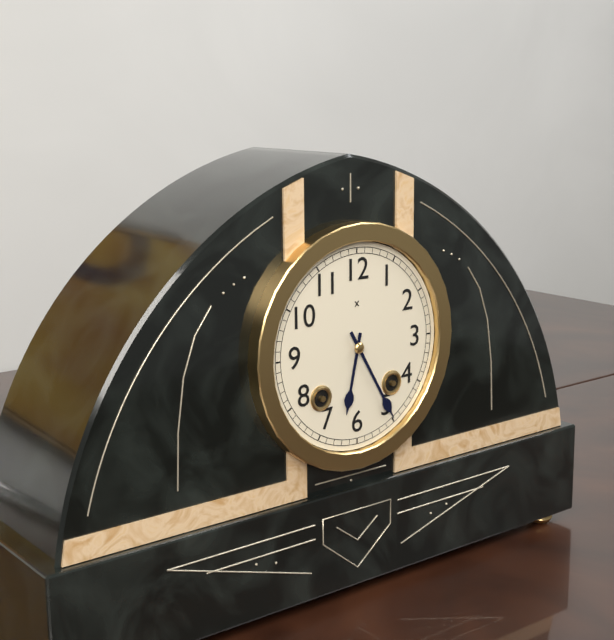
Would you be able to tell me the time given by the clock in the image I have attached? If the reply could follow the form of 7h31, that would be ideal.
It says 6h25
